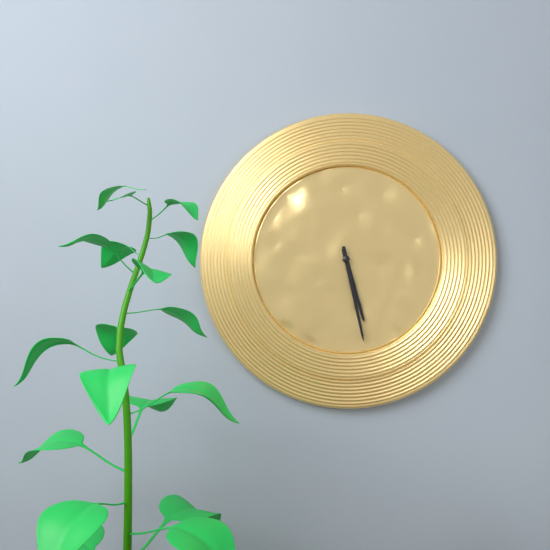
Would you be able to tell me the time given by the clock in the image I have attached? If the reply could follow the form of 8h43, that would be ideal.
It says 5h28
